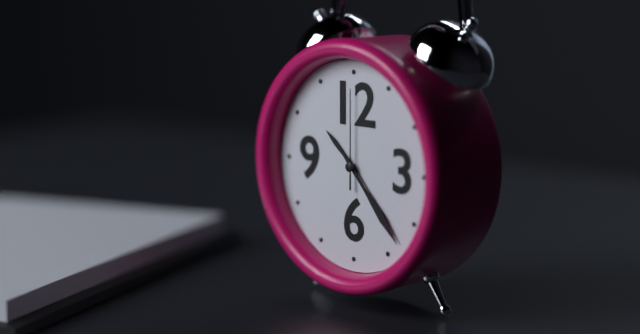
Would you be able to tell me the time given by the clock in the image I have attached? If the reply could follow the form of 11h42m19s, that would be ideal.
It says 10h23m00s
